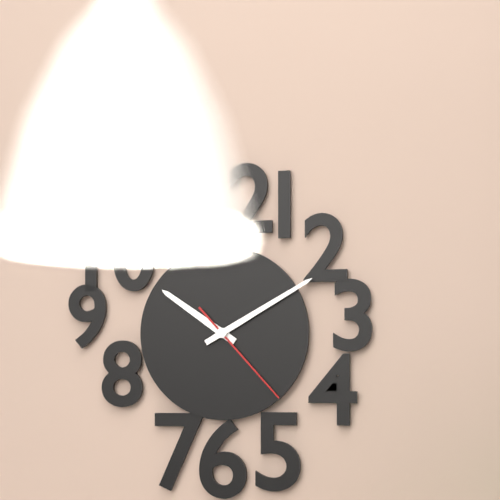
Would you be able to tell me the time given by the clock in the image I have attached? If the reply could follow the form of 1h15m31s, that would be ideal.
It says 10h10m23s
